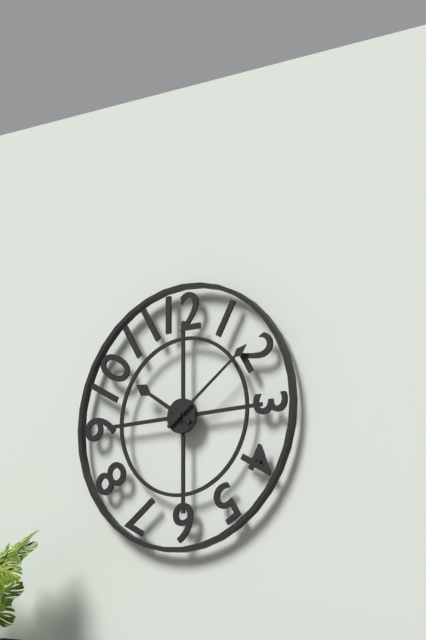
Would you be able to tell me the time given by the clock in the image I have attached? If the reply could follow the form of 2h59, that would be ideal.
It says 10h09
